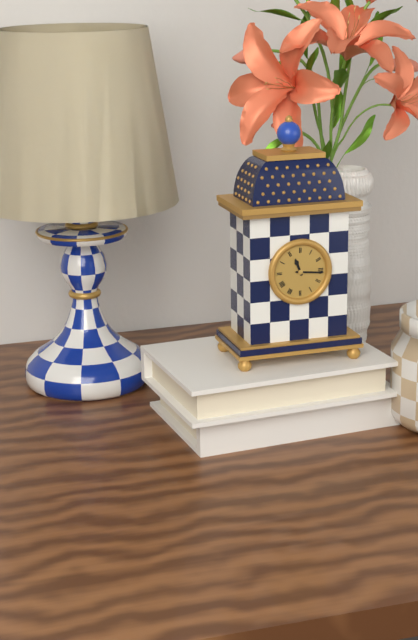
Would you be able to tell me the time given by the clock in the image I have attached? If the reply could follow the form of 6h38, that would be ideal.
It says 11h16
